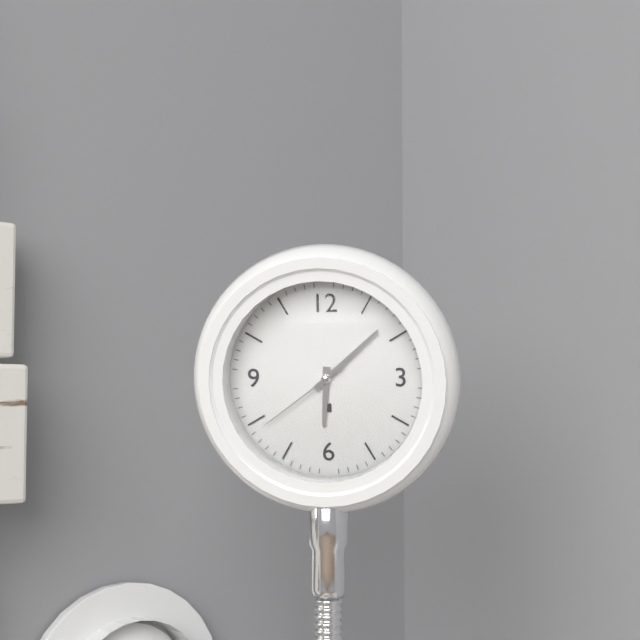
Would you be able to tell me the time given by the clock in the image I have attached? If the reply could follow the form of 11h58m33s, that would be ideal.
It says 6h08m39s
